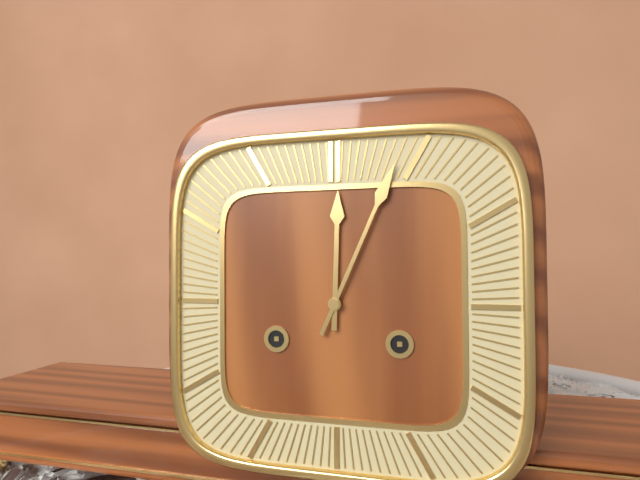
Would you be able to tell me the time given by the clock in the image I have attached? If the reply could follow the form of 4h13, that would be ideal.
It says 12h04
